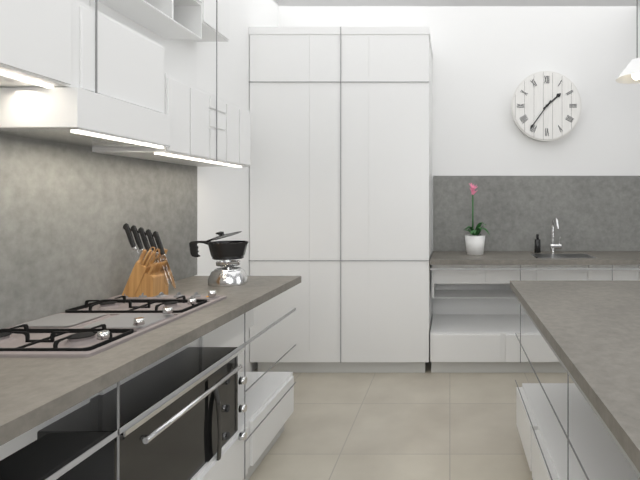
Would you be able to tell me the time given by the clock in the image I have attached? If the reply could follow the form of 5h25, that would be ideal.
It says 1h36
